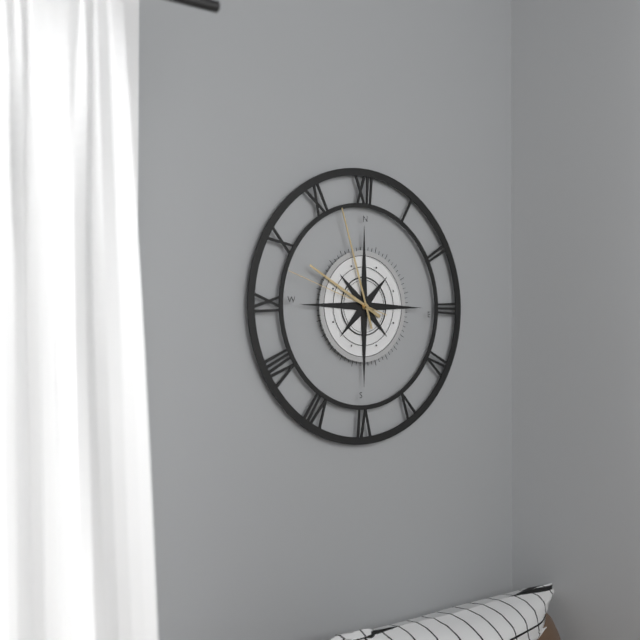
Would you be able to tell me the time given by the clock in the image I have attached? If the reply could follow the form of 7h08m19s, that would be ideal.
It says 9h57m48s
